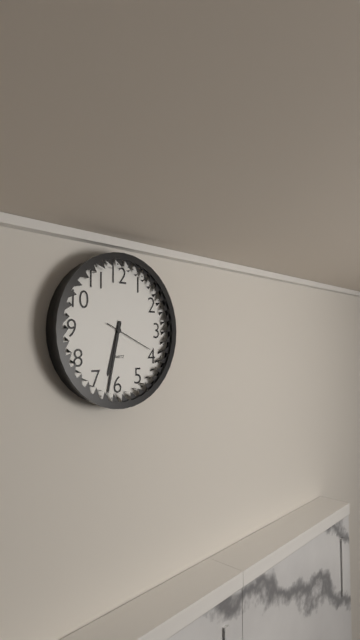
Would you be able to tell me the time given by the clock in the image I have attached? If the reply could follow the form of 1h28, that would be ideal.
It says 6h32
